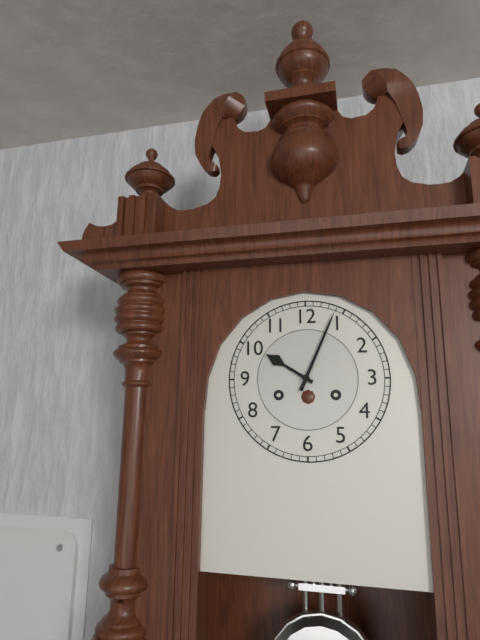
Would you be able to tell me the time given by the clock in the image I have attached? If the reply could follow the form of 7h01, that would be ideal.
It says 10h04
